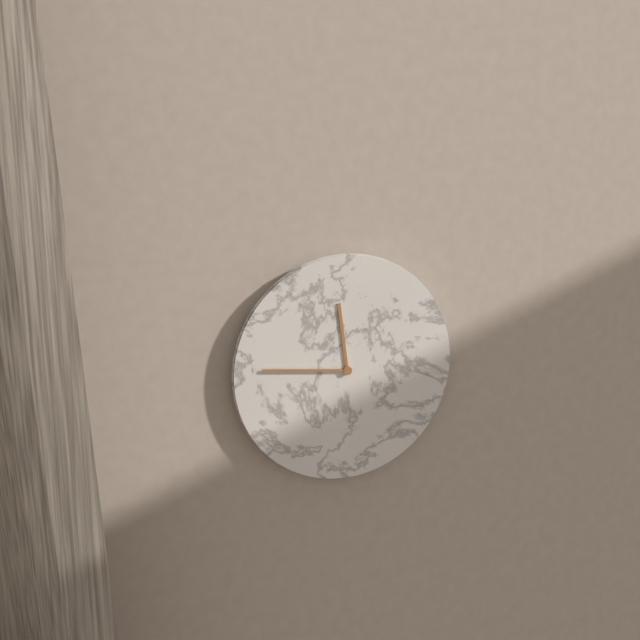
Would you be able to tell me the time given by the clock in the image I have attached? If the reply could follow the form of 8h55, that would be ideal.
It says 11h46
